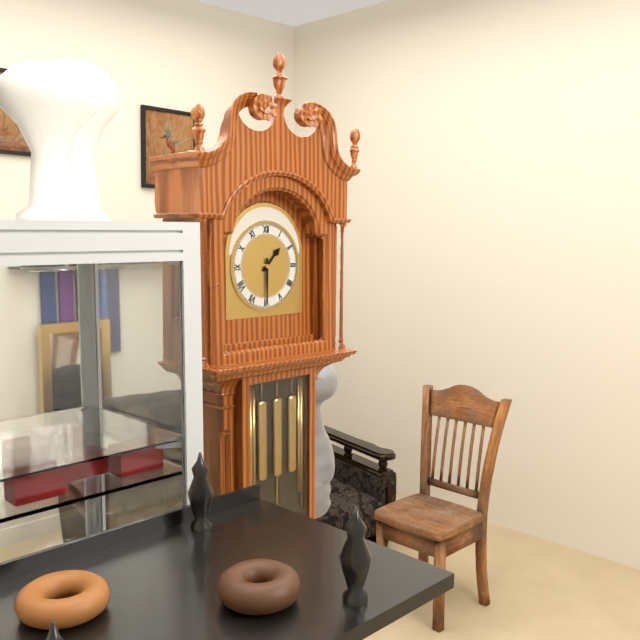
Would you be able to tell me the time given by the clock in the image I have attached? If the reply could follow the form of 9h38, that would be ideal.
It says 1h30
